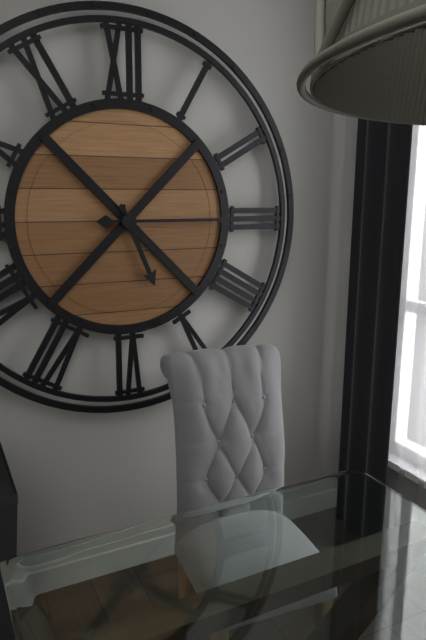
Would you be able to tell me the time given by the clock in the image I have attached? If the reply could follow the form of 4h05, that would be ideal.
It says 5h15
